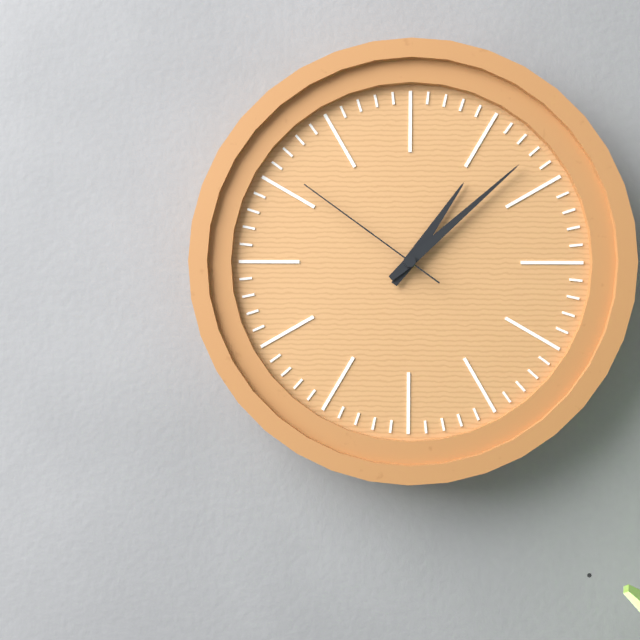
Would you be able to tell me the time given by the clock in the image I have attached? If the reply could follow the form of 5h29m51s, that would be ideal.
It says 1h08m51s
